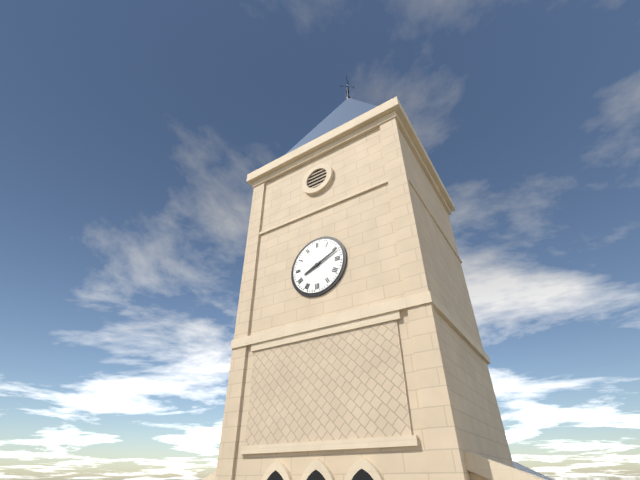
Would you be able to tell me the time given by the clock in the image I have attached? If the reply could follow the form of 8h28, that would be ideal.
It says 8h11
